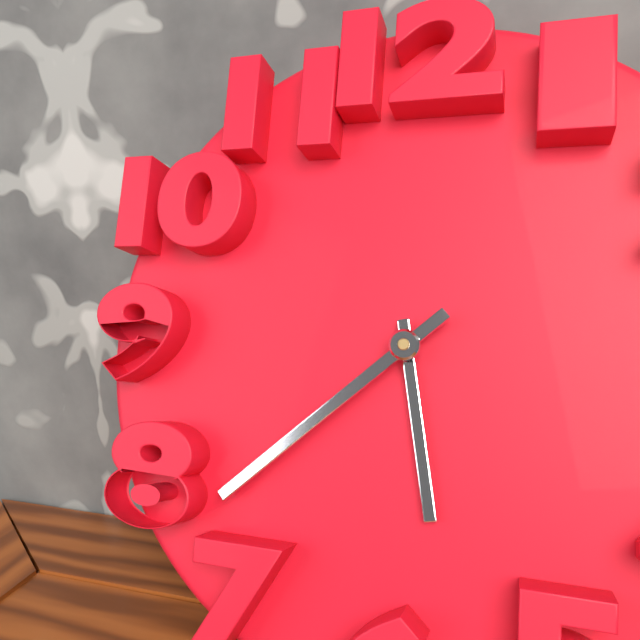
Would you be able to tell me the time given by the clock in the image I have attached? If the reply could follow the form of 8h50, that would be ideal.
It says 5h38
